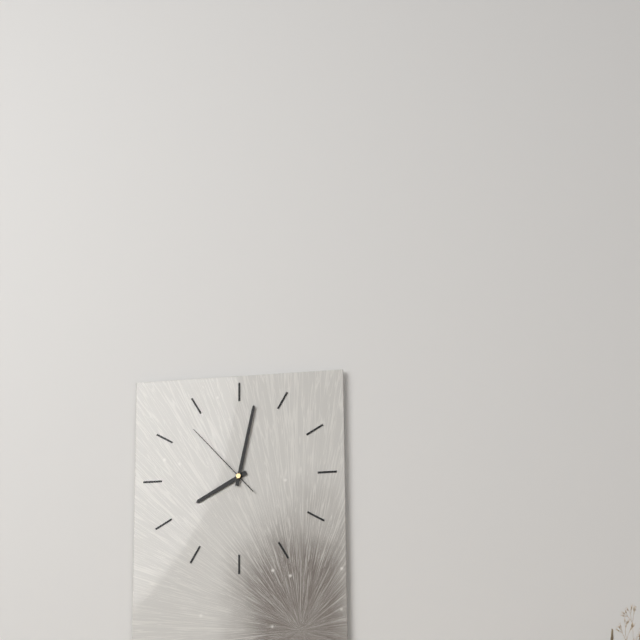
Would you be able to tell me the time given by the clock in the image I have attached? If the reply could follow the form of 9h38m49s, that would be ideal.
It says 8h02m53s
